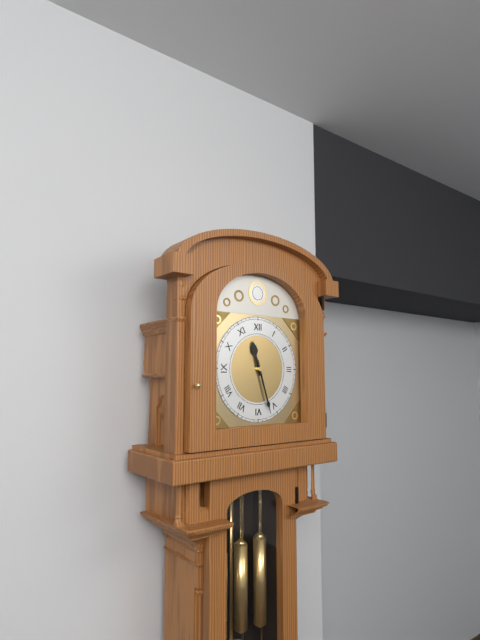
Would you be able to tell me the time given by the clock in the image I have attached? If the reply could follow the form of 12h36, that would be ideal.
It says 11h27
